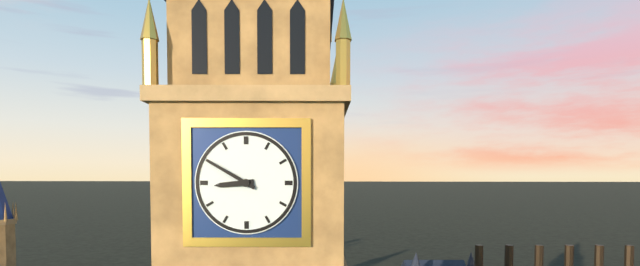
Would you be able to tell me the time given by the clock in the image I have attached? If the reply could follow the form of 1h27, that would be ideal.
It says 8h50
